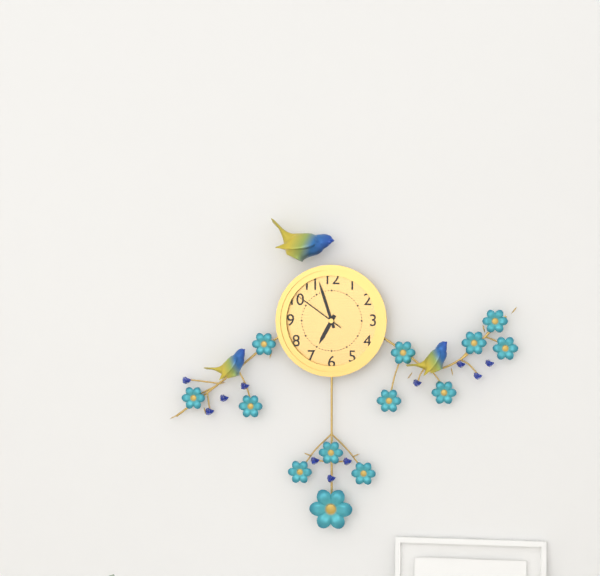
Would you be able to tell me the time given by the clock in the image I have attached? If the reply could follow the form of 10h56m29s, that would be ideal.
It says 6h57m51s
